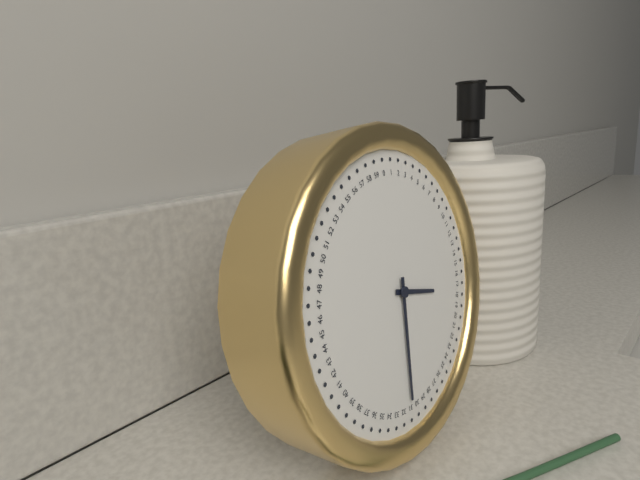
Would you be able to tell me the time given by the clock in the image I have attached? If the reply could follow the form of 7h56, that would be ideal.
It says 3h31
